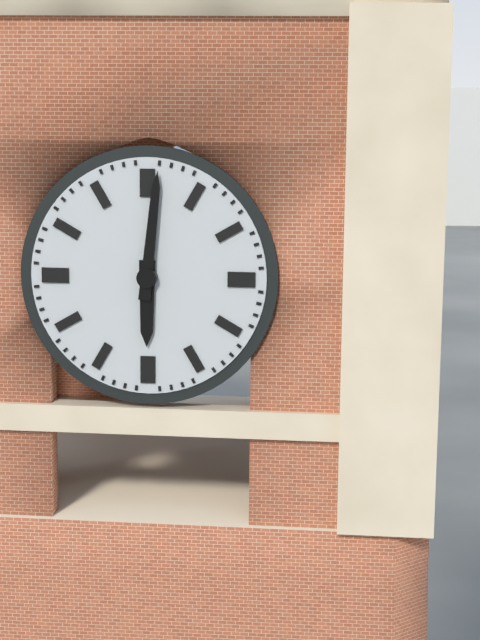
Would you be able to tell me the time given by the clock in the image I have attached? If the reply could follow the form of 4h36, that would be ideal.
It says 6h01
